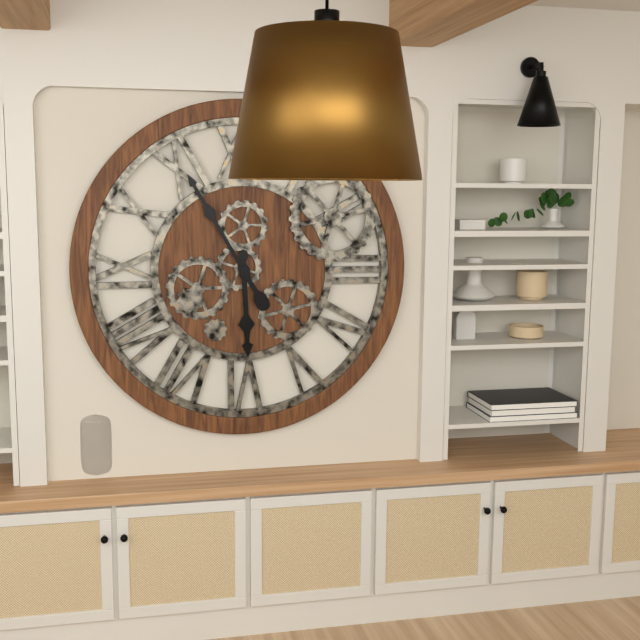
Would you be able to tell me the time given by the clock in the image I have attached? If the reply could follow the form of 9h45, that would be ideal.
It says 5h55
